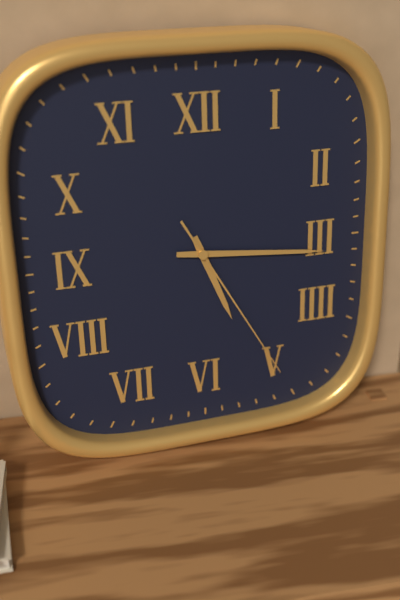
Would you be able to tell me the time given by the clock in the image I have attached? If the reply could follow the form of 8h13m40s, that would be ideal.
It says 5h16m25s
